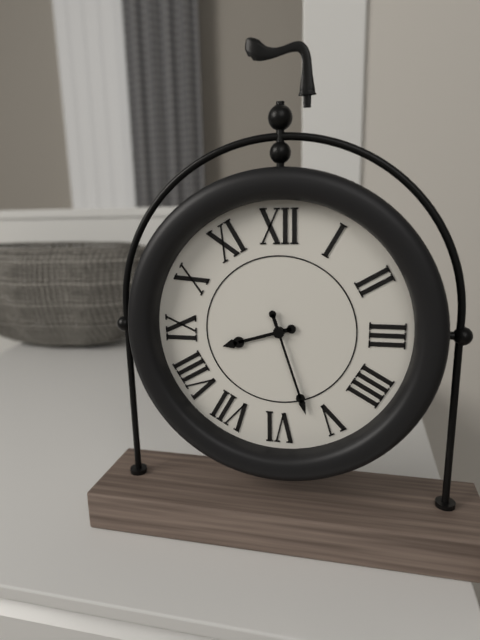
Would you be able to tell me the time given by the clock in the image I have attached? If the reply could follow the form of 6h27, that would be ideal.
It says 8h27
